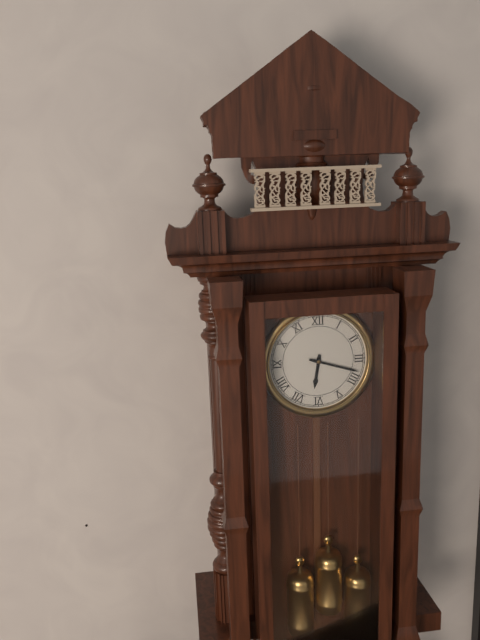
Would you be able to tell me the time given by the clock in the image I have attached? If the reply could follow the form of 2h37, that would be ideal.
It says 6h18
